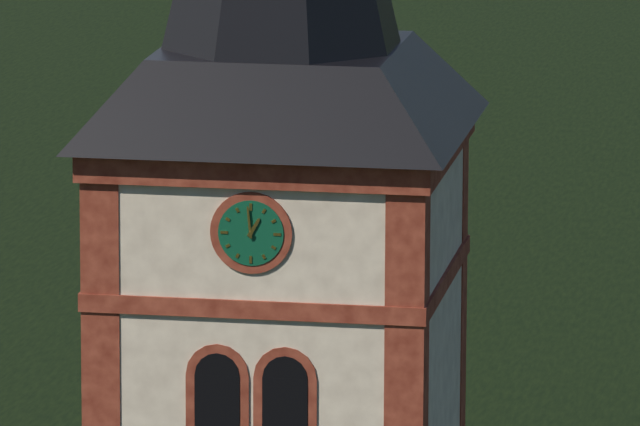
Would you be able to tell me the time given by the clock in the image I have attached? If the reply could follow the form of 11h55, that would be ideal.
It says 12h59
